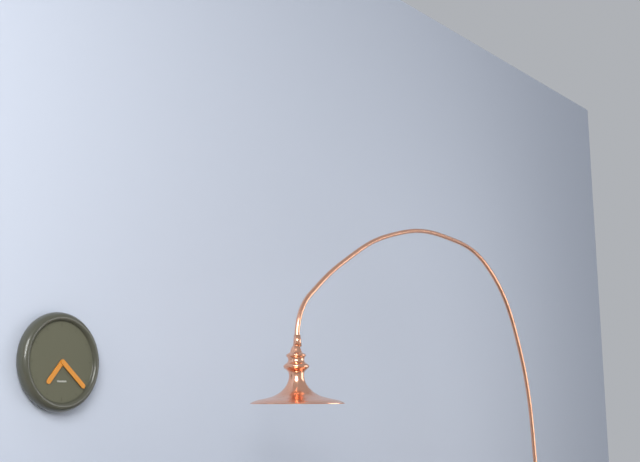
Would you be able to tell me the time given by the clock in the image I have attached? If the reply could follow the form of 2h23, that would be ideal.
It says 7h22
